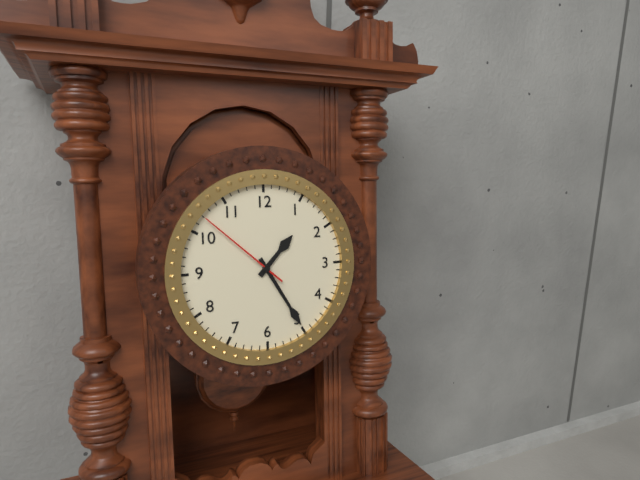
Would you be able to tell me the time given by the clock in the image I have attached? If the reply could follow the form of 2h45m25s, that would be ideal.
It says 1h25m52s
